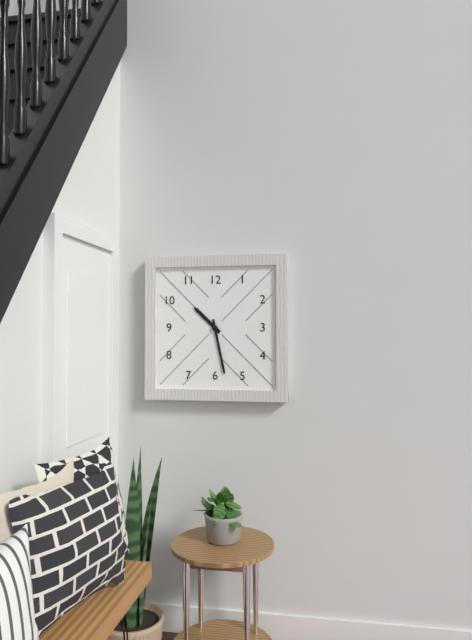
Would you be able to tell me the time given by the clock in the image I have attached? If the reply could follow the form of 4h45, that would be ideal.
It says 10h28
